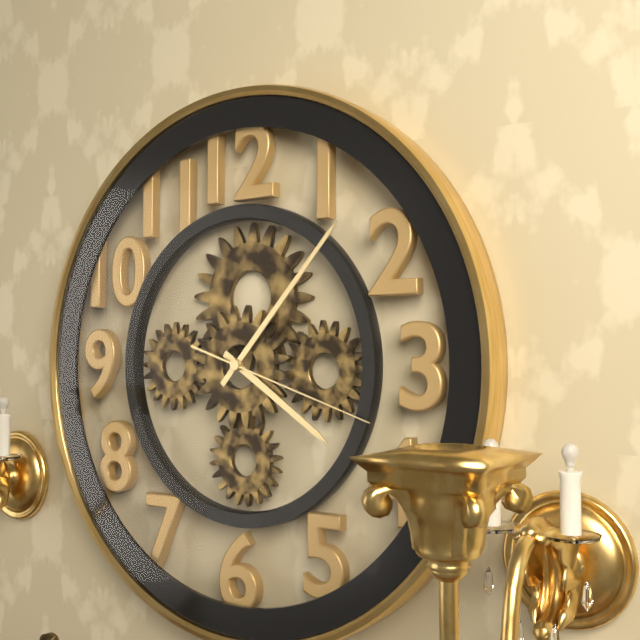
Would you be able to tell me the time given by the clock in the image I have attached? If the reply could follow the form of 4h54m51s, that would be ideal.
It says 4h07m18s
